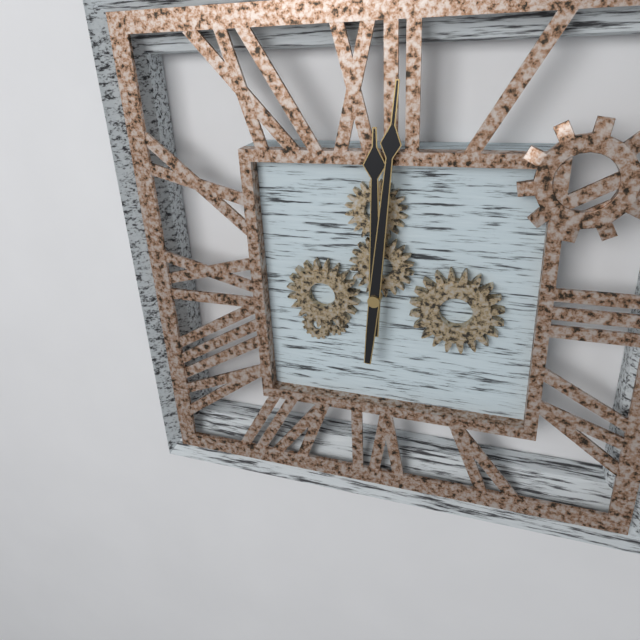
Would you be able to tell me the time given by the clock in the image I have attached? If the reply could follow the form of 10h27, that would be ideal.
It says 12h01
